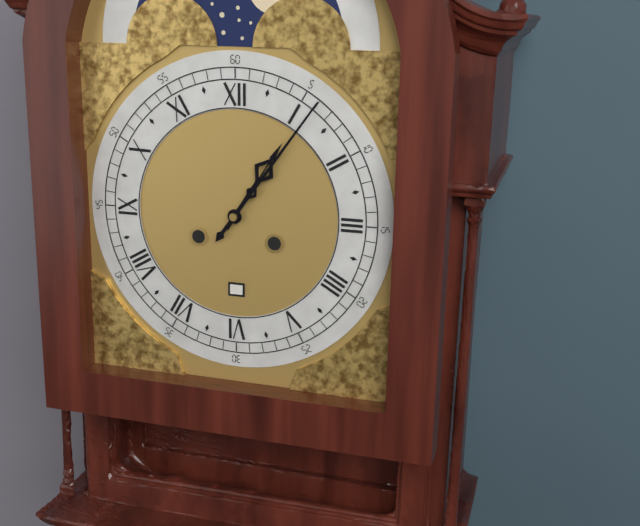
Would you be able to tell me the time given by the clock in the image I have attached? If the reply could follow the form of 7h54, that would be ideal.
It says 1h06
